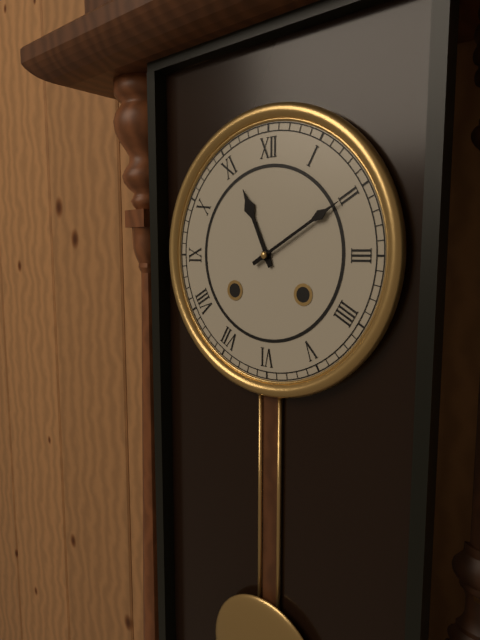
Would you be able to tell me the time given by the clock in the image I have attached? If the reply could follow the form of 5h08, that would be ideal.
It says 11h10
